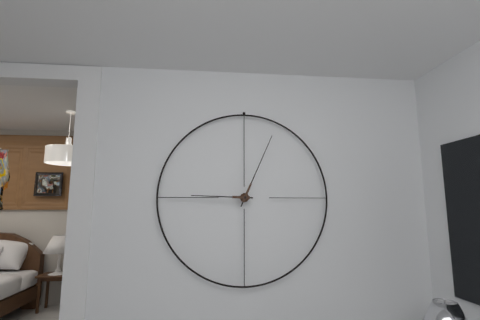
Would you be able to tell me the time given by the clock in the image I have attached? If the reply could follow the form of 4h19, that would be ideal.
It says 9h04
